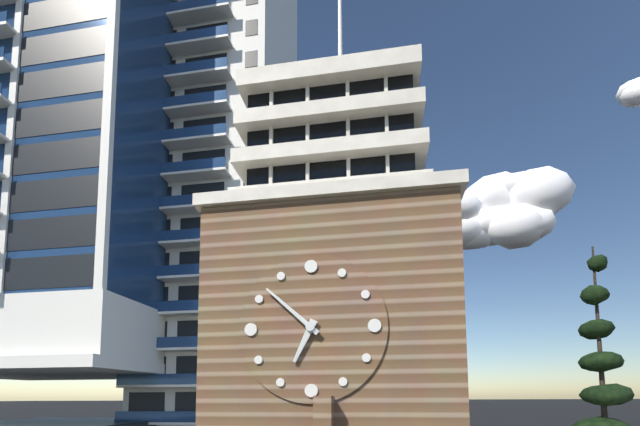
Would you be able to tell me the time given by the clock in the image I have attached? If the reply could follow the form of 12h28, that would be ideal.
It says 6h52
